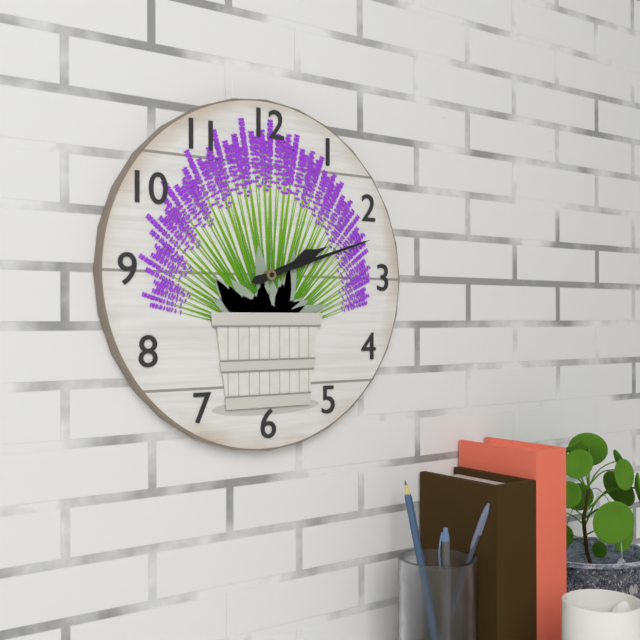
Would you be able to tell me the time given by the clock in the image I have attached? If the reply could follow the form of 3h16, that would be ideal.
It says 2h12
